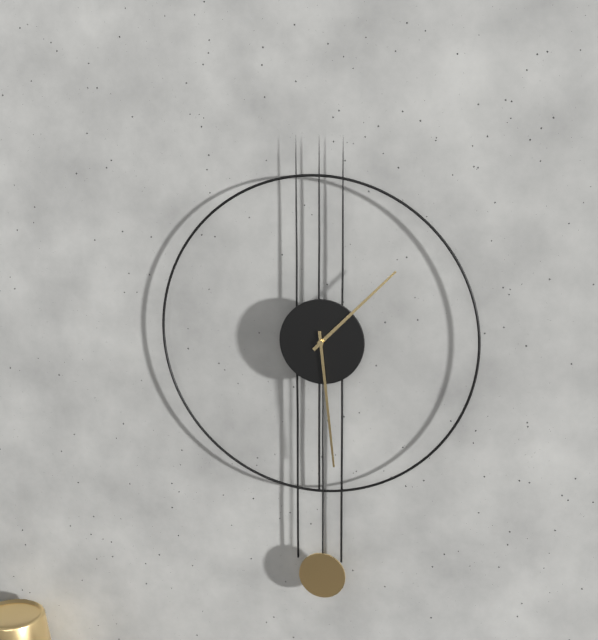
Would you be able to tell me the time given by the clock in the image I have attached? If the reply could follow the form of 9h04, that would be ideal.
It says 1h29
